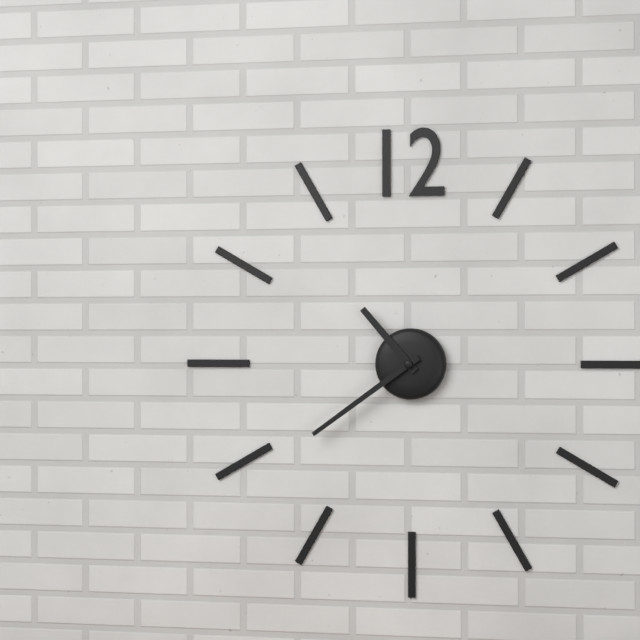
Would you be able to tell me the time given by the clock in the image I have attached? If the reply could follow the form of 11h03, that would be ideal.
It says 10h39
